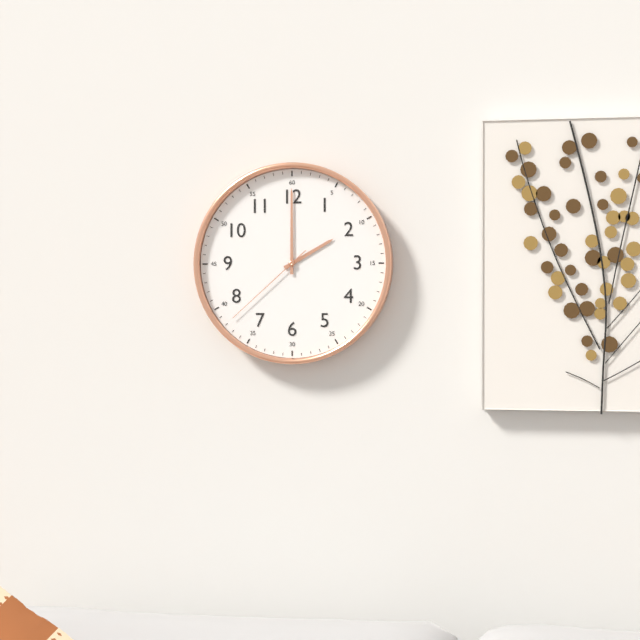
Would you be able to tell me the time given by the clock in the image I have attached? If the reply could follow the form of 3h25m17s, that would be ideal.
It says 2h00m38s
